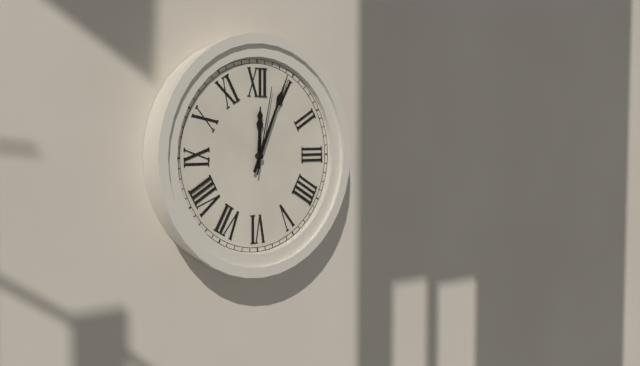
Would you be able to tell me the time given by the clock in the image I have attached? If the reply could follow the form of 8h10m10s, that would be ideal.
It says 12h04m02s
